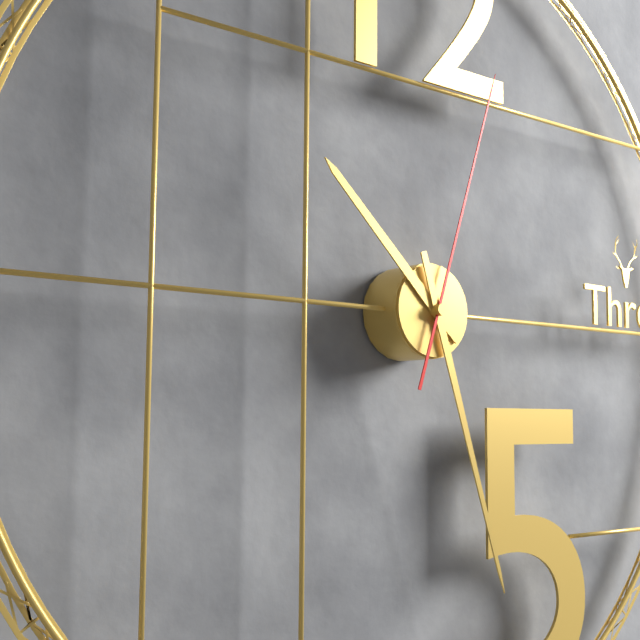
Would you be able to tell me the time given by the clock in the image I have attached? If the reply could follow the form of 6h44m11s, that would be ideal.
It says 10h27m03s
